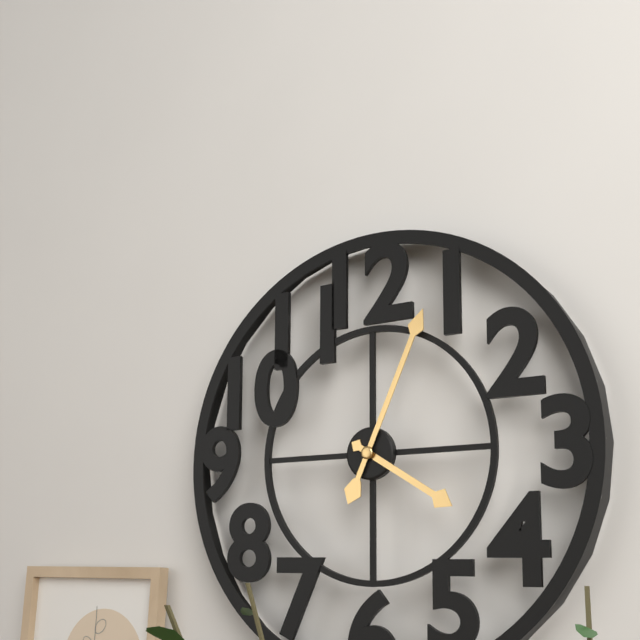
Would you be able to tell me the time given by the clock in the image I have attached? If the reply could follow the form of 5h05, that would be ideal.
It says 4h04
